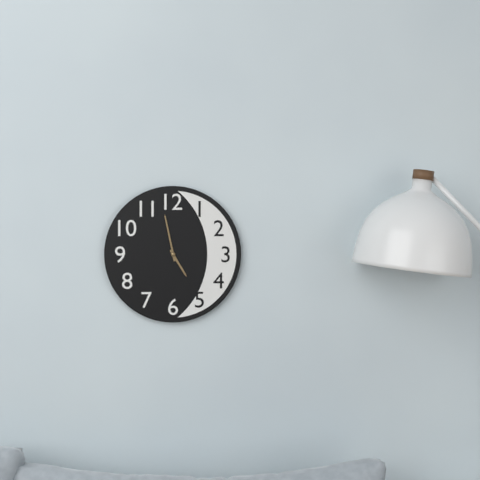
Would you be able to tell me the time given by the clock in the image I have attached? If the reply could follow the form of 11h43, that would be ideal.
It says 4h58
